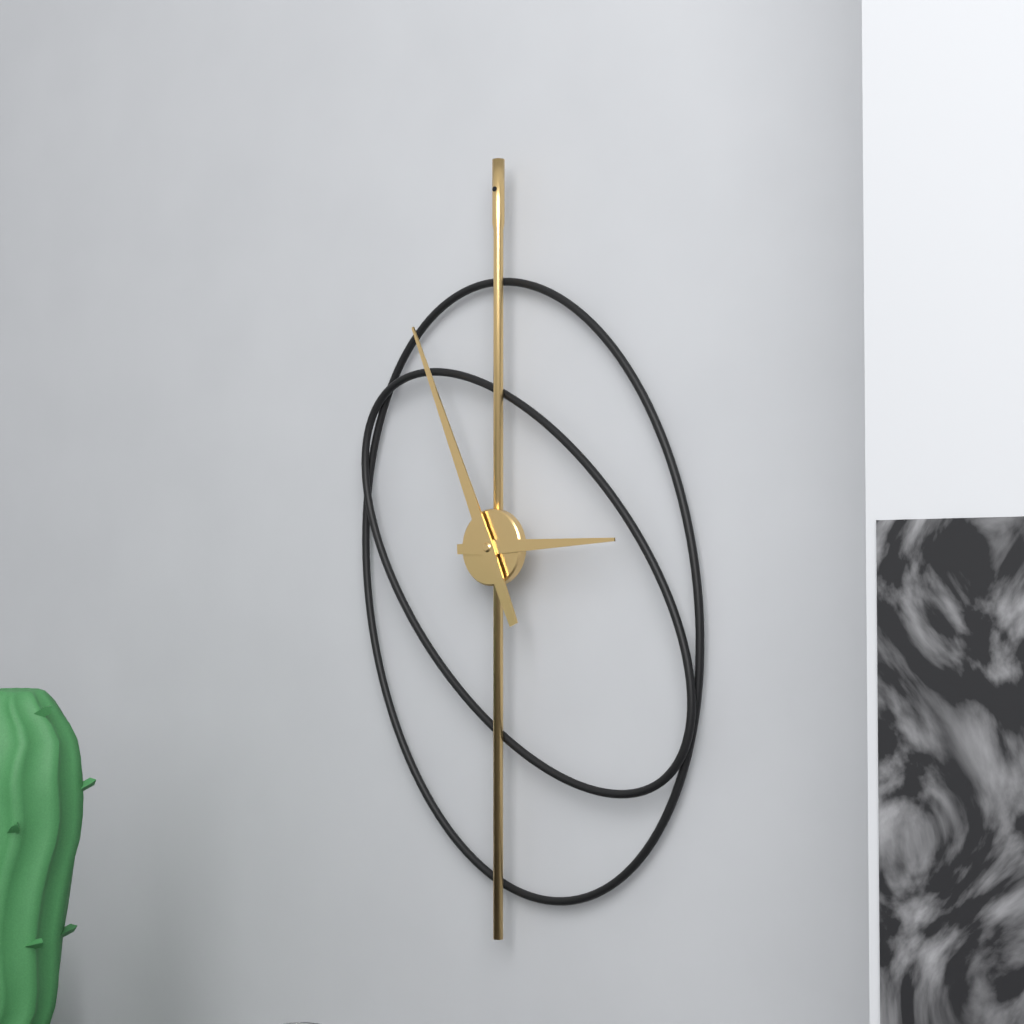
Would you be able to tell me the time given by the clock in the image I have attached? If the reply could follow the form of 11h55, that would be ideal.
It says 2h56
